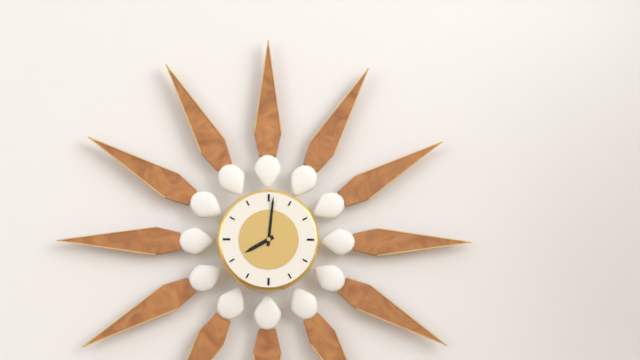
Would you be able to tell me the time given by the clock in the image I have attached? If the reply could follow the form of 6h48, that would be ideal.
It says 8h01
